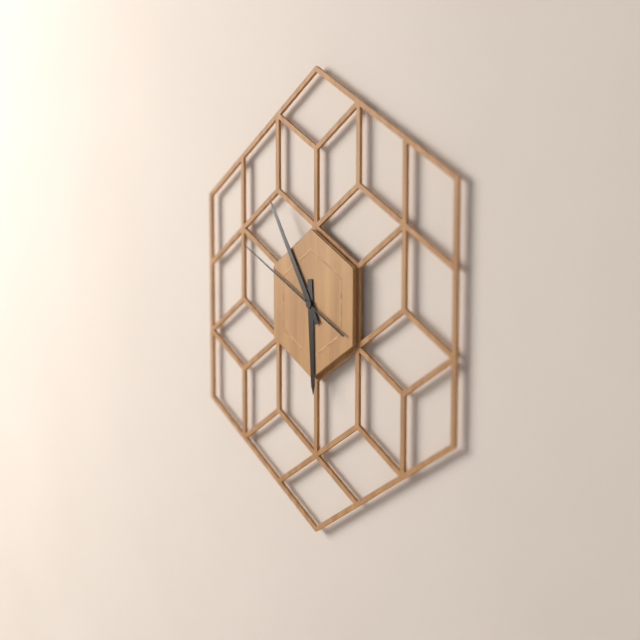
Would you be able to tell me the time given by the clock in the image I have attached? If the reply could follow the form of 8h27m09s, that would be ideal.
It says 5h55m50s
